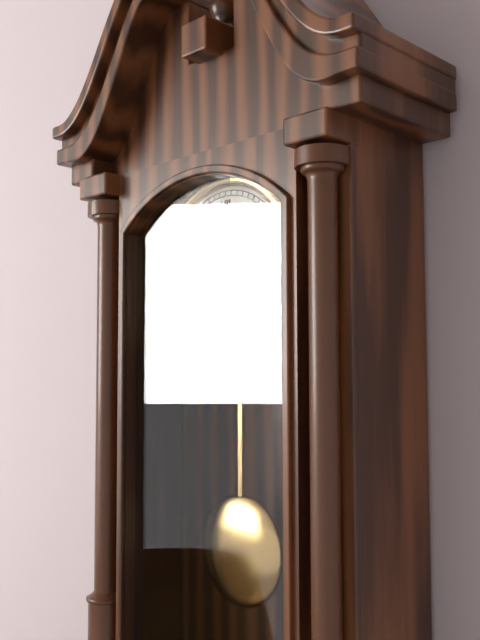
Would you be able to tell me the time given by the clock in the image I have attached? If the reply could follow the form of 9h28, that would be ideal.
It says 5h51
